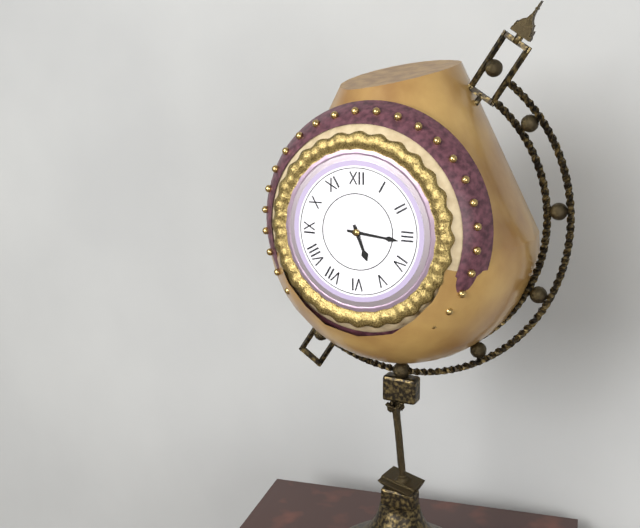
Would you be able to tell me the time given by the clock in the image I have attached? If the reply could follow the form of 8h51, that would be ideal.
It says 5h16
